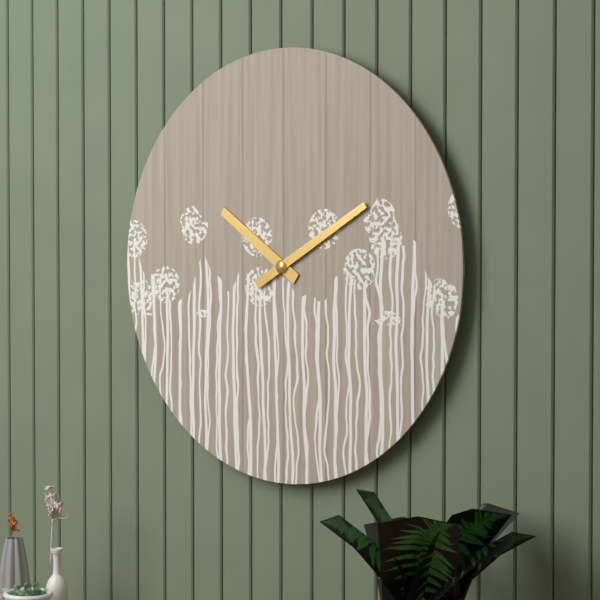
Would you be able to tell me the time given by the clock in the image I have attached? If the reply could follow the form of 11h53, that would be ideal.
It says 10h10
